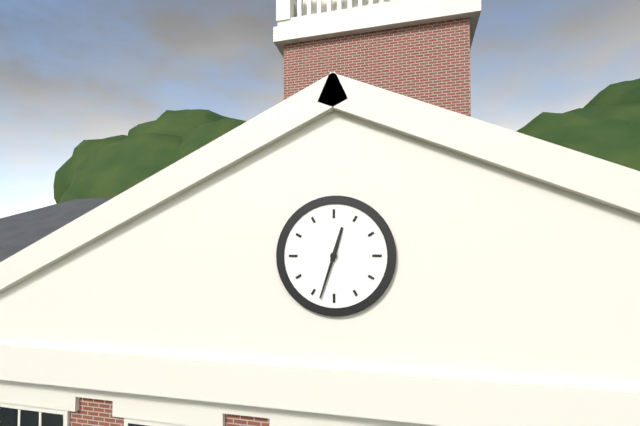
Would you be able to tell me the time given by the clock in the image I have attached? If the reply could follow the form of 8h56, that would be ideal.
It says 12h33
